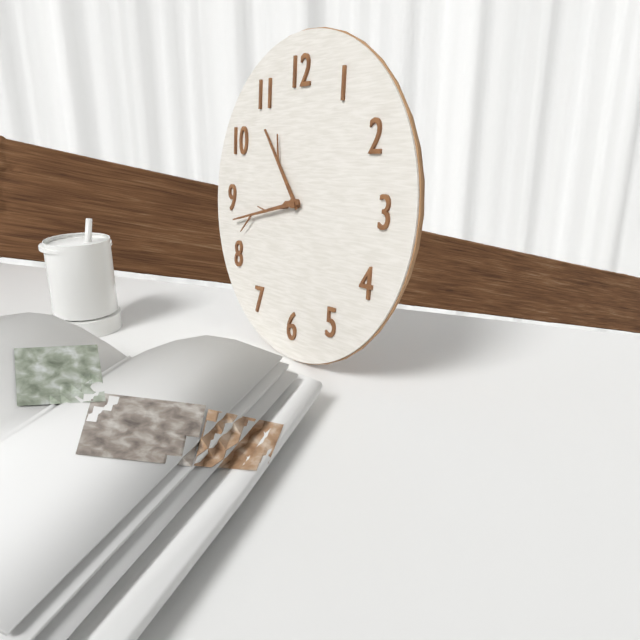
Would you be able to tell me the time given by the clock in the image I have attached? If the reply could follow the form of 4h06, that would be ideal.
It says 10h43
